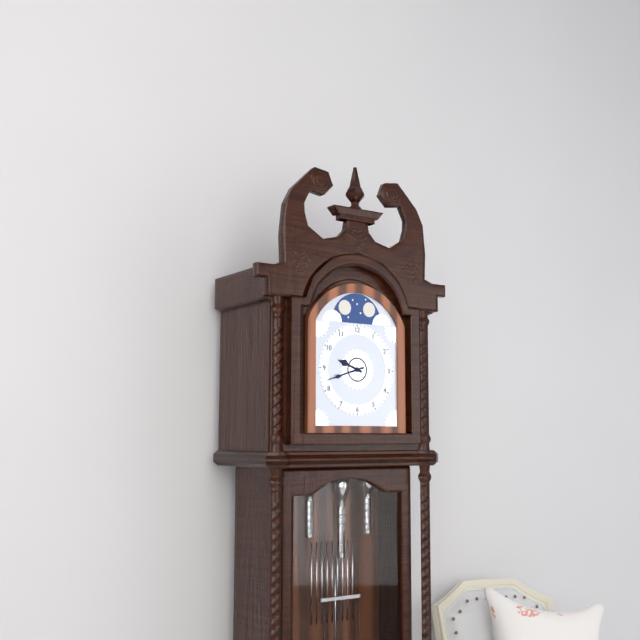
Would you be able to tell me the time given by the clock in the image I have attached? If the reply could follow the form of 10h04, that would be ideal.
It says 9h42
